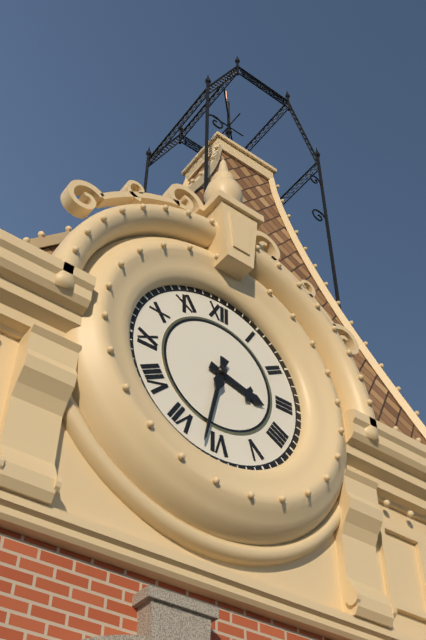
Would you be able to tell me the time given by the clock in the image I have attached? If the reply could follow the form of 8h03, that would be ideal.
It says 3h32
